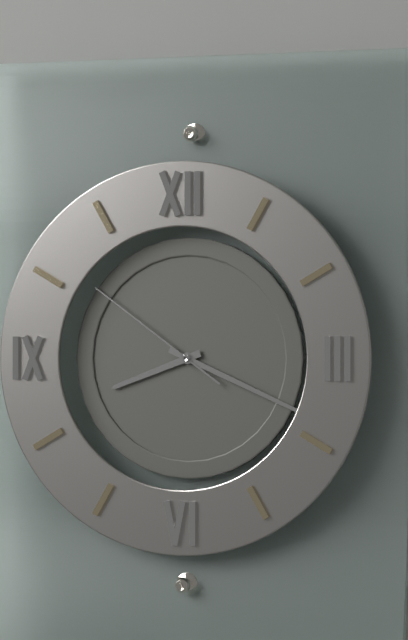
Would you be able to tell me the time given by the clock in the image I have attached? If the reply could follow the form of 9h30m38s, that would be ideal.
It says 8h19m51s
